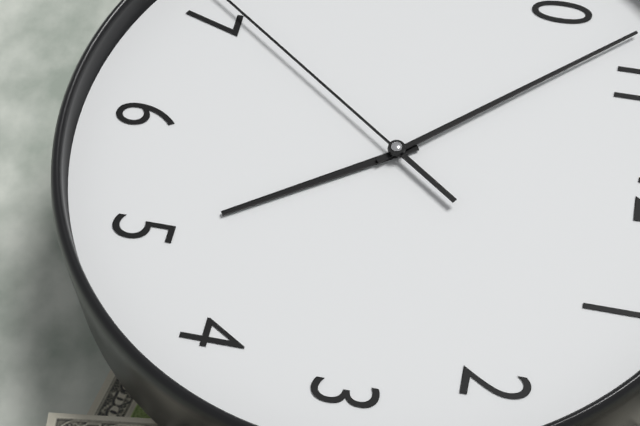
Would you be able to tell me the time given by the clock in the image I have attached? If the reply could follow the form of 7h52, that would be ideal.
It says 4h53
